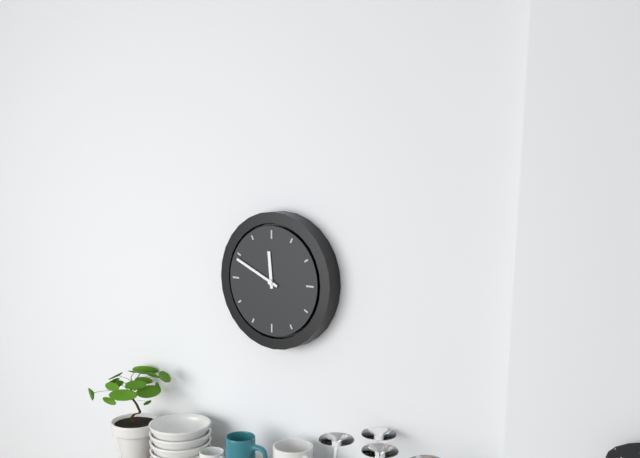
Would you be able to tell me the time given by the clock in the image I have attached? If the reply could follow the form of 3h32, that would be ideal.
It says 11h49
